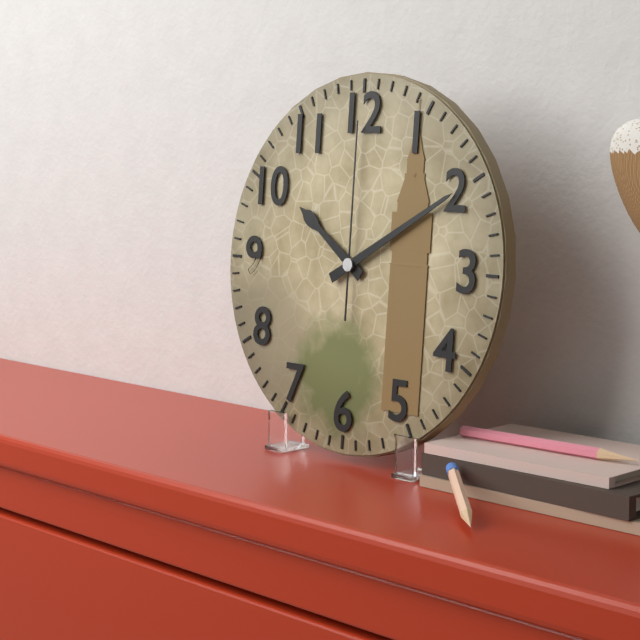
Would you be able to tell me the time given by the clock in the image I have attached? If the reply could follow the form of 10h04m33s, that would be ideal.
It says 10h10m00s
